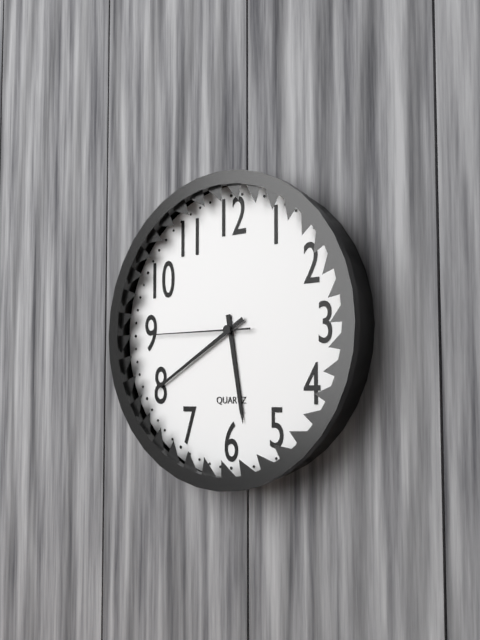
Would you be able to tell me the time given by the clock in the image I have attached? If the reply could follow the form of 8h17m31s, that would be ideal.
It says 5h40m45s
